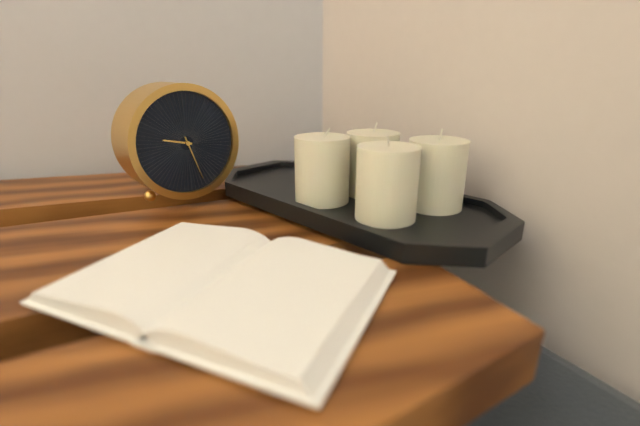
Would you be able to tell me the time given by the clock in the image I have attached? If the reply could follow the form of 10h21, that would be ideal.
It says 9h27
